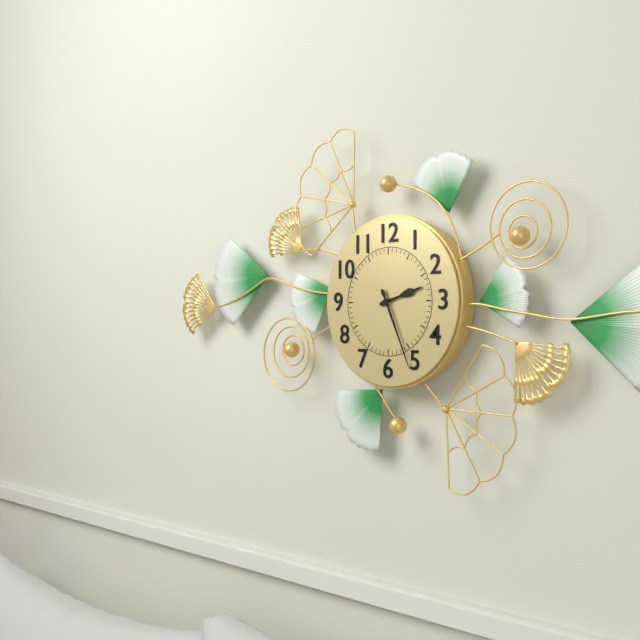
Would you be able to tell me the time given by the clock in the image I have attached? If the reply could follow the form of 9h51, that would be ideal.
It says 2h26
